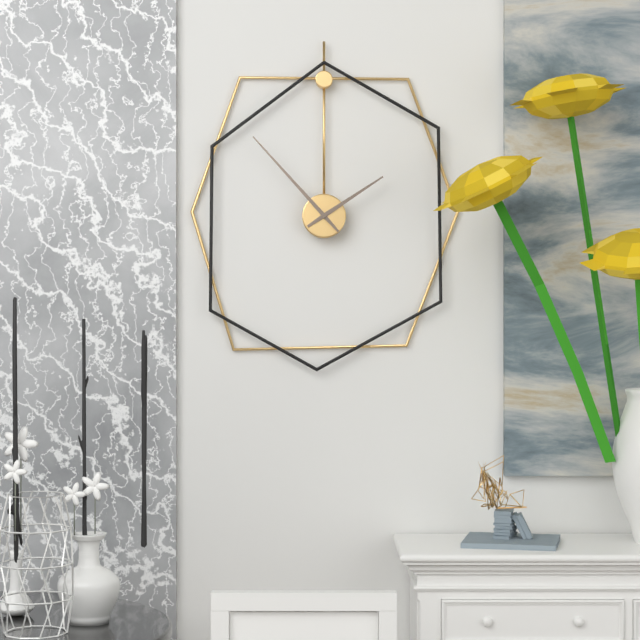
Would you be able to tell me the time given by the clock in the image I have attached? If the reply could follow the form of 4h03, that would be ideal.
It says 1h53
